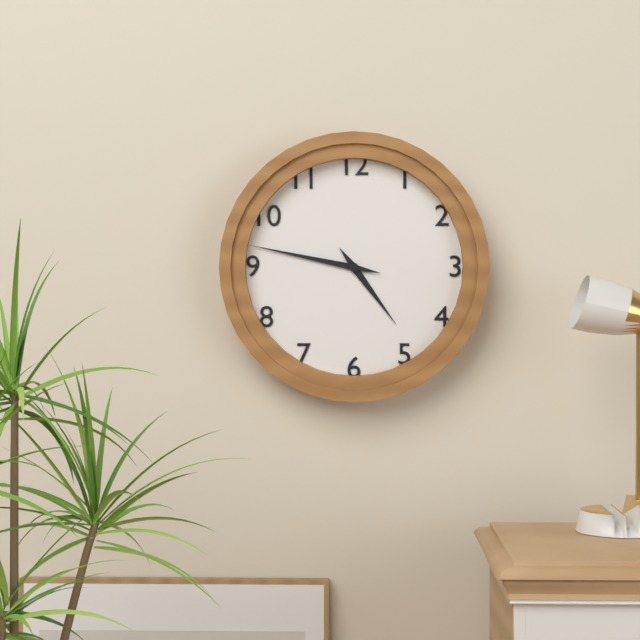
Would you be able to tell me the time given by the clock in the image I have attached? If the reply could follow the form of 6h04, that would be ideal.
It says 4h47
